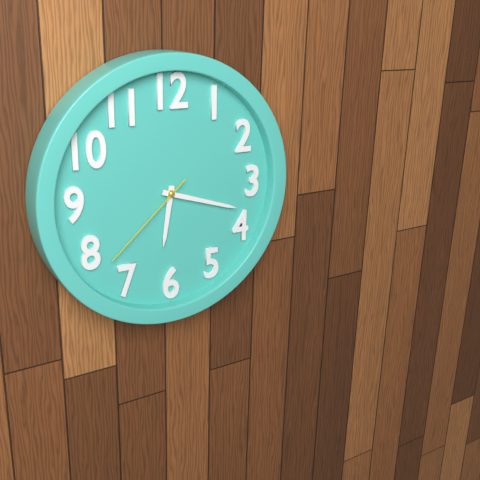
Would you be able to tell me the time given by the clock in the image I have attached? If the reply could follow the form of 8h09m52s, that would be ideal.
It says 6h18m38s
